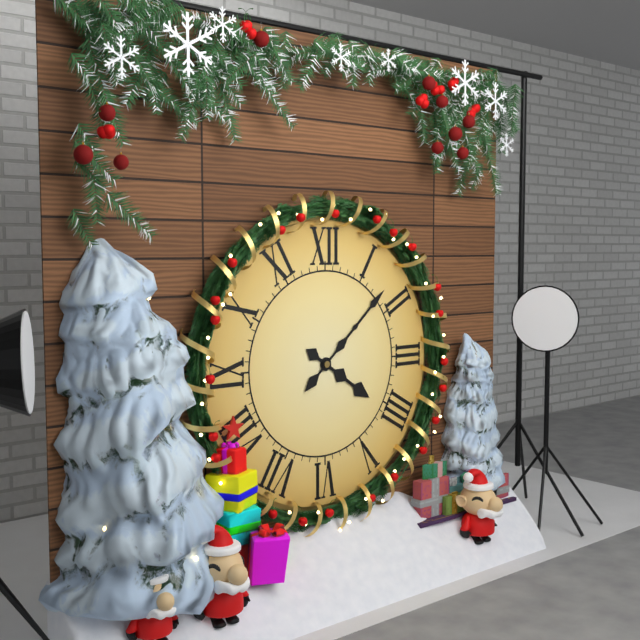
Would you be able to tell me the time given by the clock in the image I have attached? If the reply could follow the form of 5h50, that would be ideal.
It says 4h08
